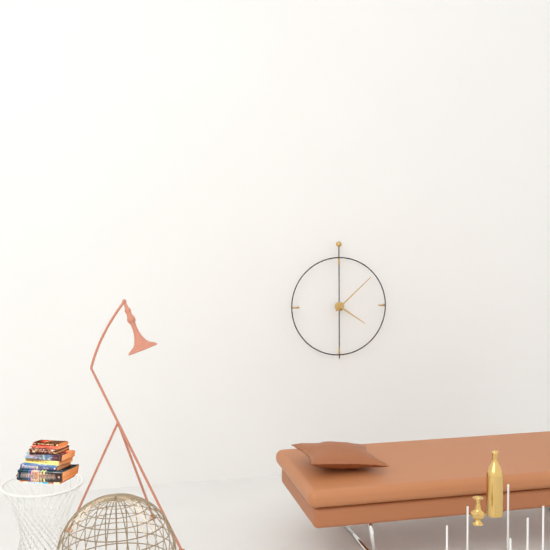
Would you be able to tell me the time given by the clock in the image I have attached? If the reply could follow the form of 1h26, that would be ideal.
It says 4h08
